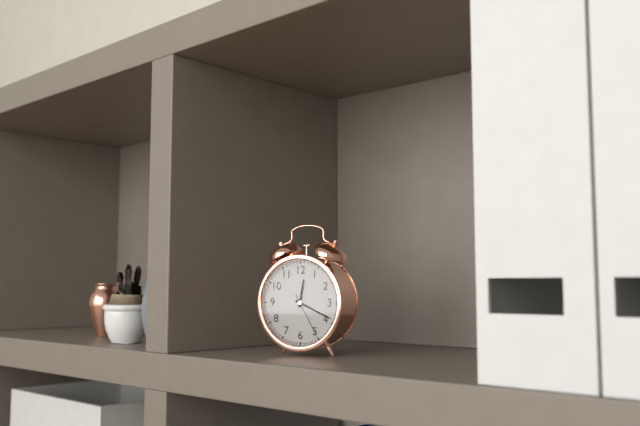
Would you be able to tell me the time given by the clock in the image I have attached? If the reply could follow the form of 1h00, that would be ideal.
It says 12h19
